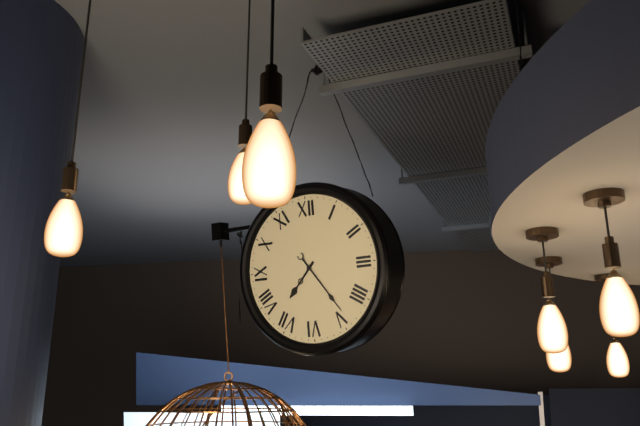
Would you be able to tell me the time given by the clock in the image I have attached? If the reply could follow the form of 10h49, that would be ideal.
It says 7h24
